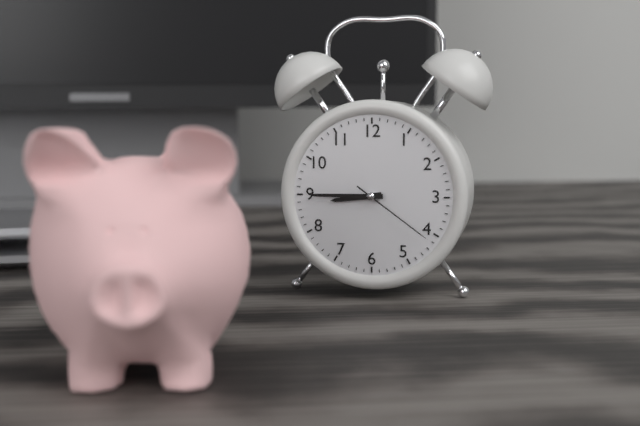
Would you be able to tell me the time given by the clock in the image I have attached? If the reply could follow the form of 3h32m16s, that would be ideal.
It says 8h45m21s
